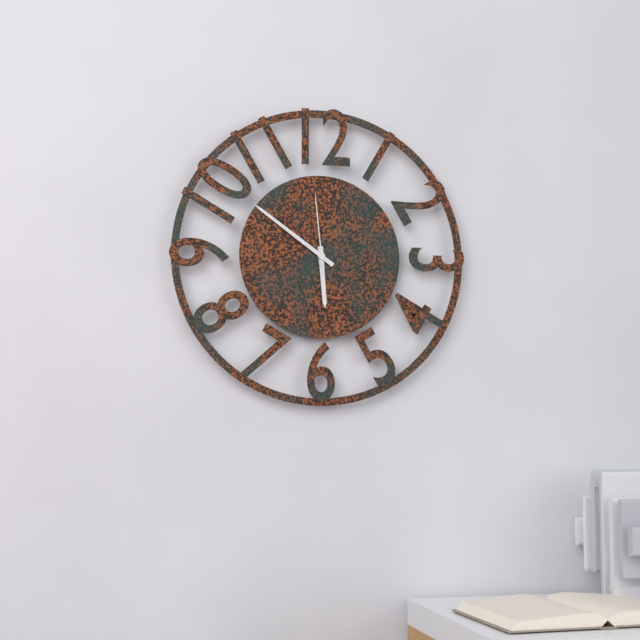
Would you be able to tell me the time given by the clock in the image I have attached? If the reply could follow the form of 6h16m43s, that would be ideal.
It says 5h51m59s
